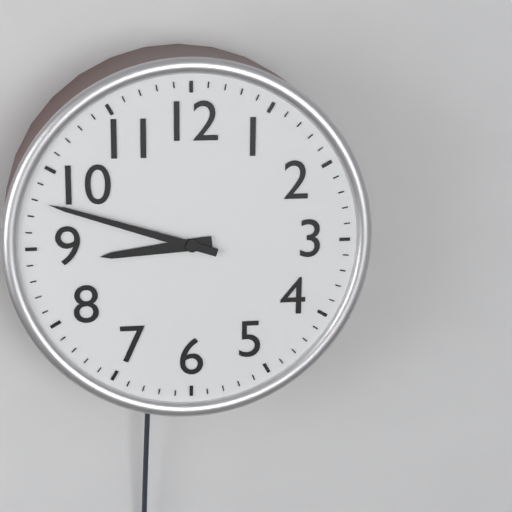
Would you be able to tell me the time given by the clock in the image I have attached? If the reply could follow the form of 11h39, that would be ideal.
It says 8h48
